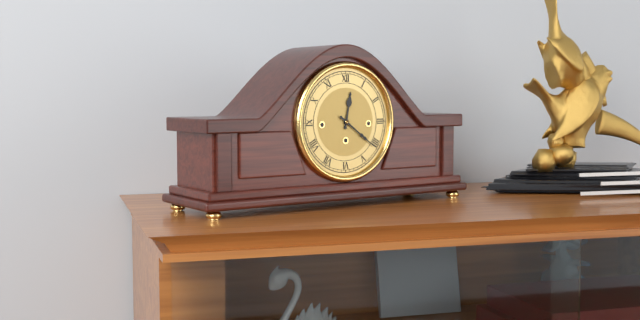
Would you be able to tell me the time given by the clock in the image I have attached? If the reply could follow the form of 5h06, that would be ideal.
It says 12h21
